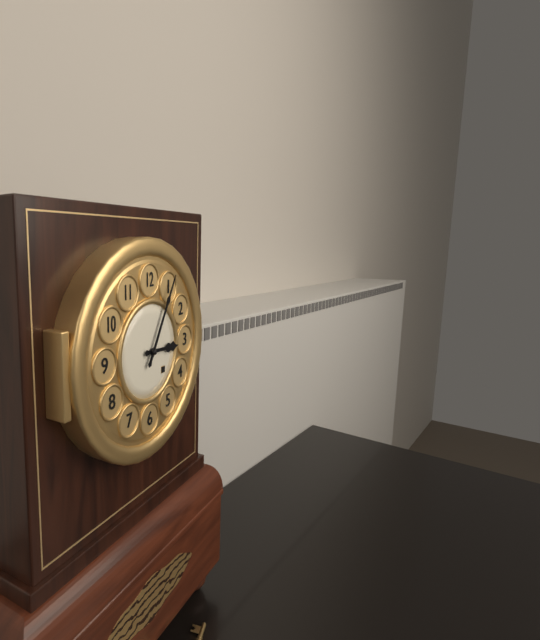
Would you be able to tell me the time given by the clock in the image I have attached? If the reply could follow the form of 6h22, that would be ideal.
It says 3h05
